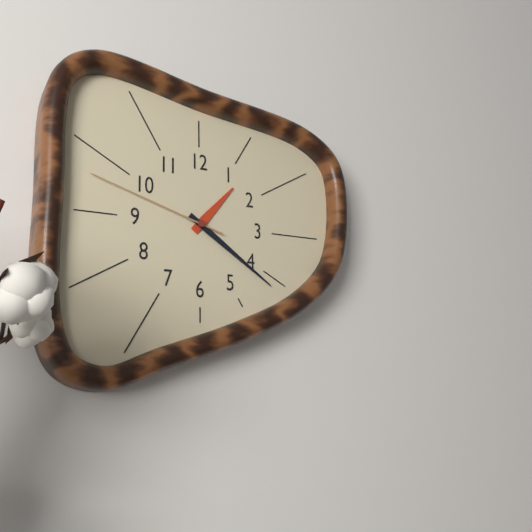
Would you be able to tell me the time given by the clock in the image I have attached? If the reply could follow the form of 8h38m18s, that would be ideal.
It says 1h21m48s
